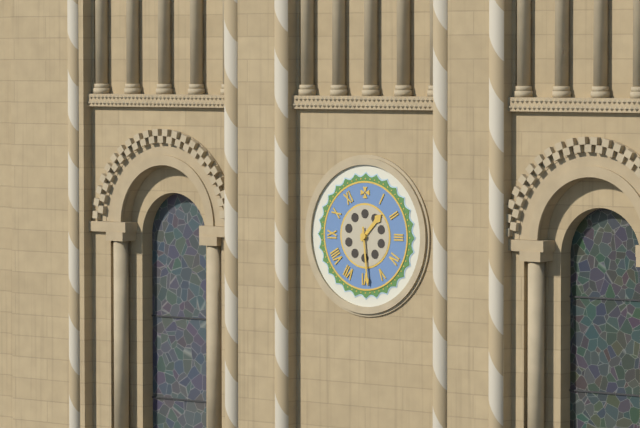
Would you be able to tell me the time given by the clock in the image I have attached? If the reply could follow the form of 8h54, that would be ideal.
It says 1h29
